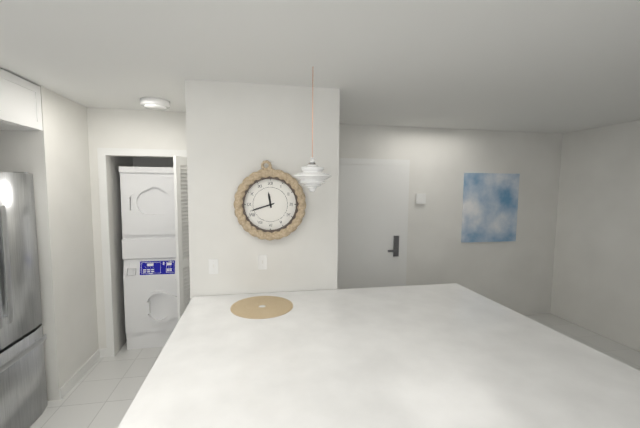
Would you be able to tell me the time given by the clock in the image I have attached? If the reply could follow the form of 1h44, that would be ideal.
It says 11h42
